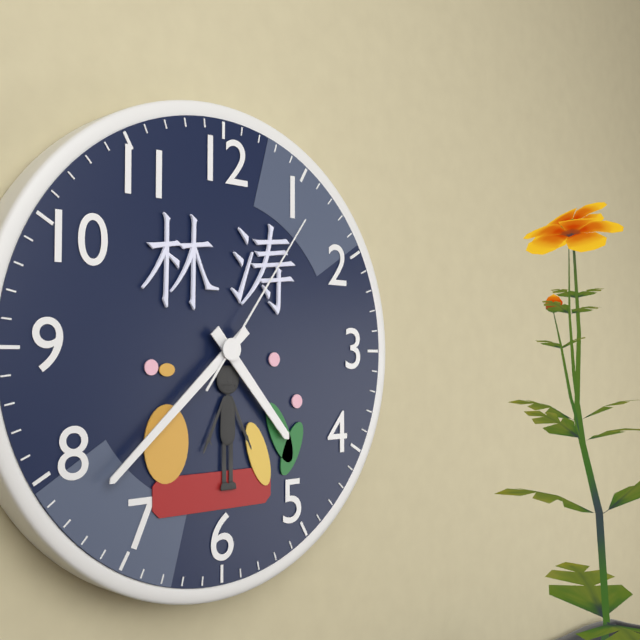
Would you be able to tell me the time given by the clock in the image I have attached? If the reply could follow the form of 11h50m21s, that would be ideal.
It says 4h38m06s
